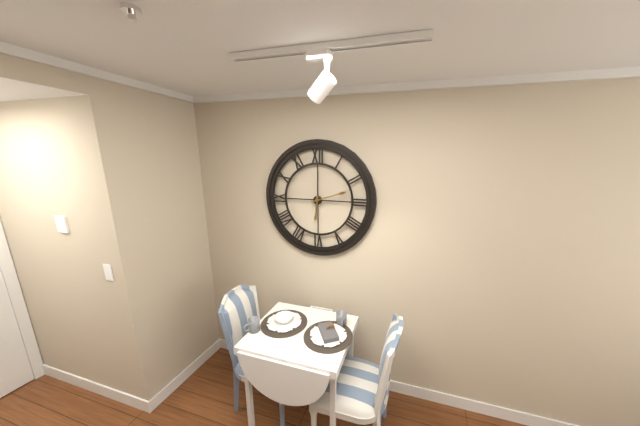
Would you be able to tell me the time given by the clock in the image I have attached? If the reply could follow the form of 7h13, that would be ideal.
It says 6h12
